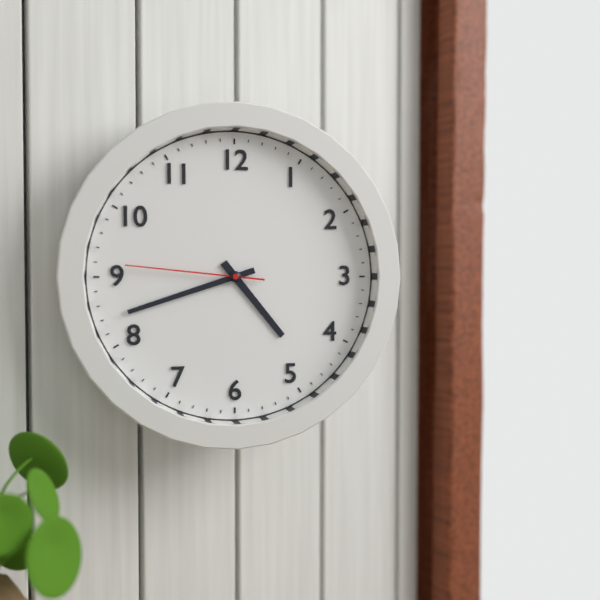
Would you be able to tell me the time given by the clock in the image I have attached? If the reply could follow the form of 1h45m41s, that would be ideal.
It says 4h42m46s
